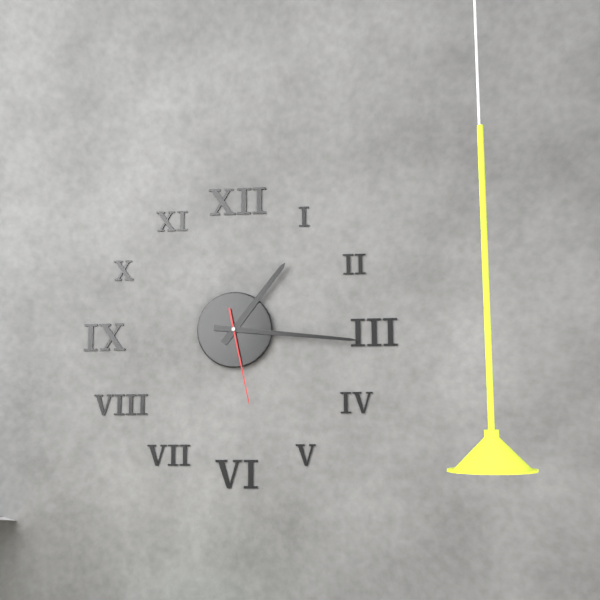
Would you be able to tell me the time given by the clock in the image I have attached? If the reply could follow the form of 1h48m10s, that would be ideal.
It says 1h16m28s
